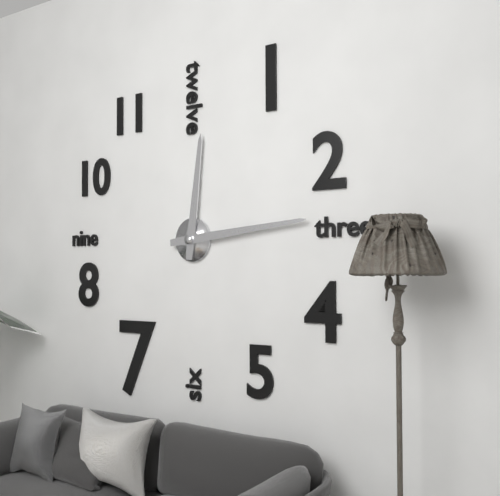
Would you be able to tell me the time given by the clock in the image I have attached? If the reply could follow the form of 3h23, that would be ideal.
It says 12h14
